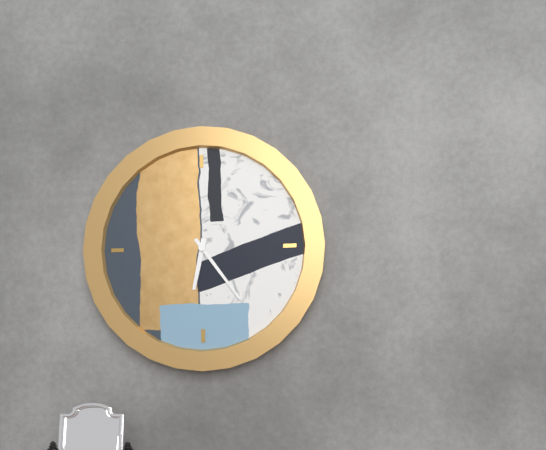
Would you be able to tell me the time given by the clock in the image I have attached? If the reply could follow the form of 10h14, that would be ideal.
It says 6h24
